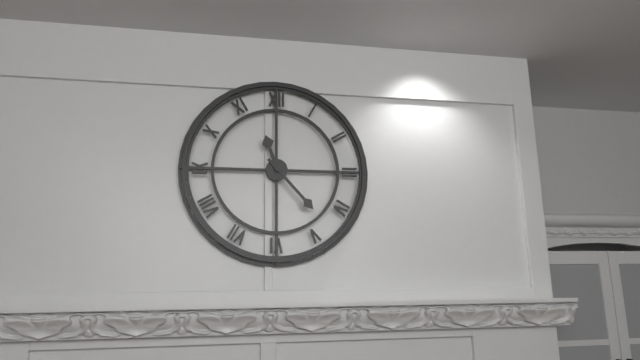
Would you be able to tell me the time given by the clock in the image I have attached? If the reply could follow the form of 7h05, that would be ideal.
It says 11h23
